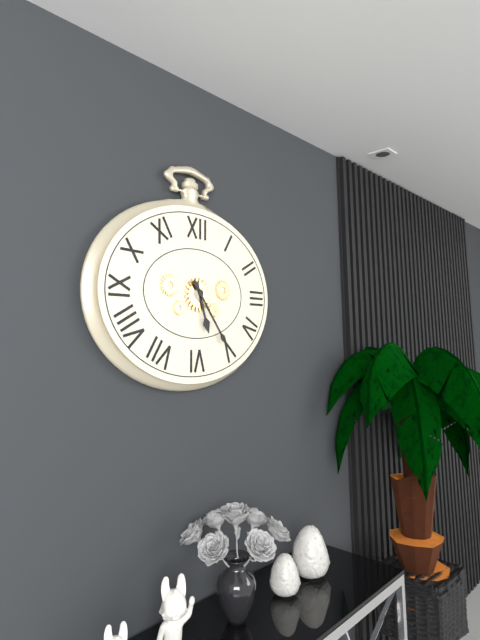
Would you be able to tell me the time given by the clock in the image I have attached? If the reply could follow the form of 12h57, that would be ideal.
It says 5h24
